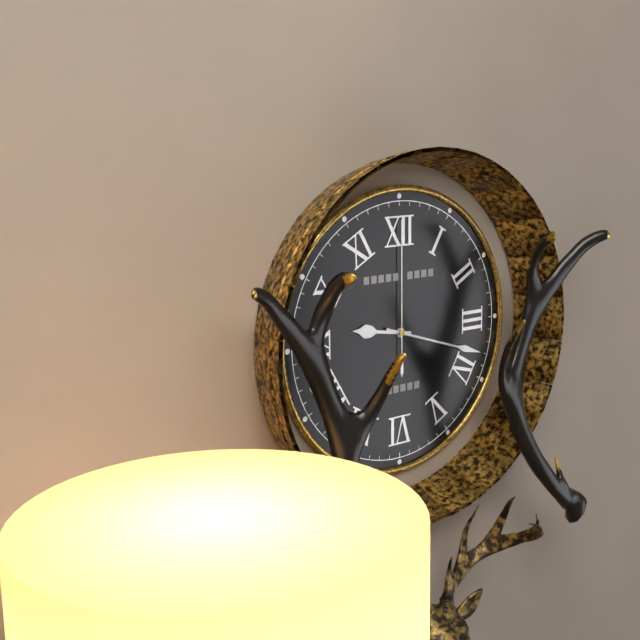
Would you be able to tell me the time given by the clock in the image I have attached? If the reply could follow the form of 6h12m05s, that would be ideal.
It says 9h18m00s
